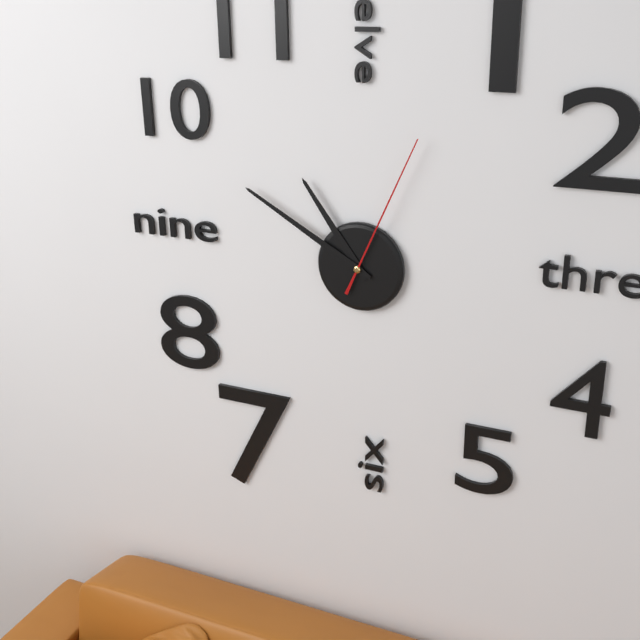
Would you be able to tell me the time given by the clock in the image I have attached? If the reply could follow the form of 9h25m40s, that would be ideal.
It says 10h50m04s
